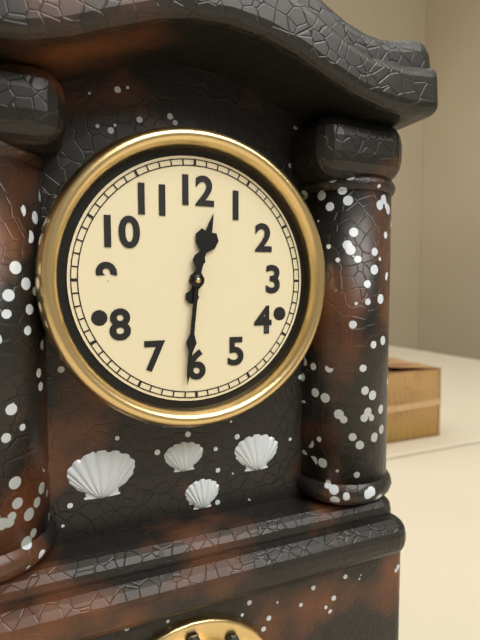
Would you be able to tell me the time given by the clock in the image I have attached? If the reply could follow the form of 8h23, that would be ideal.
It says 12h31
